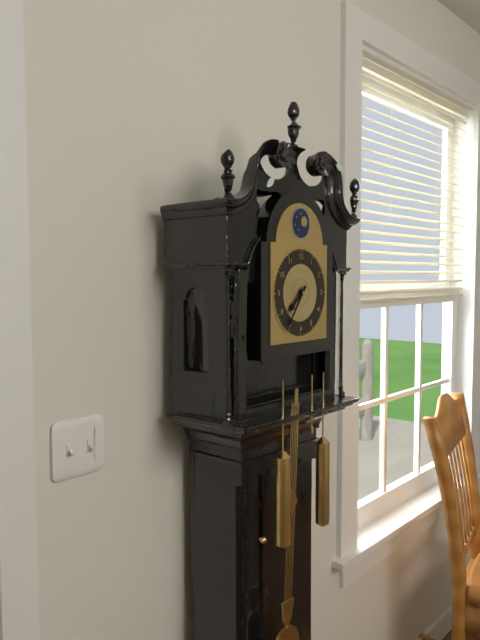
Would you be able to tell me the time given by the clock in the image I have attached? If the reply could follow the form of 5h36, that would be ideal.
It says 7h36
